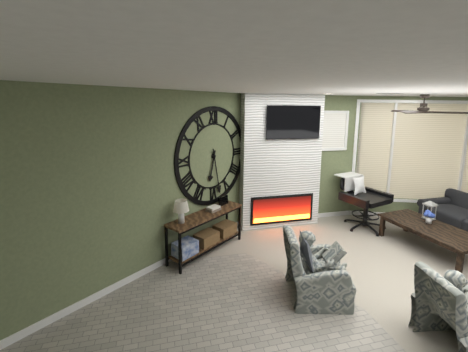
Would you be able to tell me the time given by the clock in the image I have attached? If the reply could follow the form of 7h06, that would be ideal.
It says 6h28
